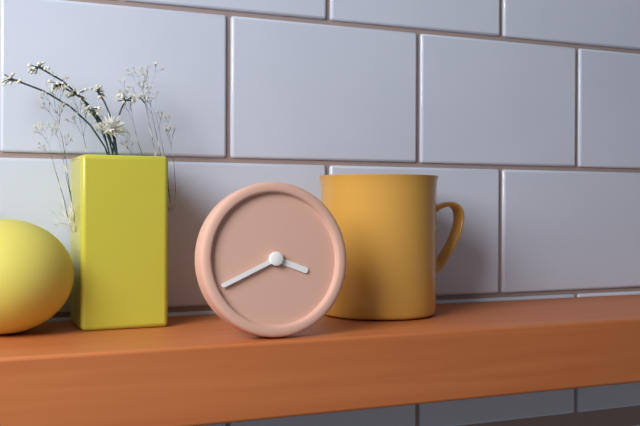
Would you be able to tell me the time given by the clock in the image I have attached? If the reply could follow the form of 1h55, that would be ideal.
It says 3h41
